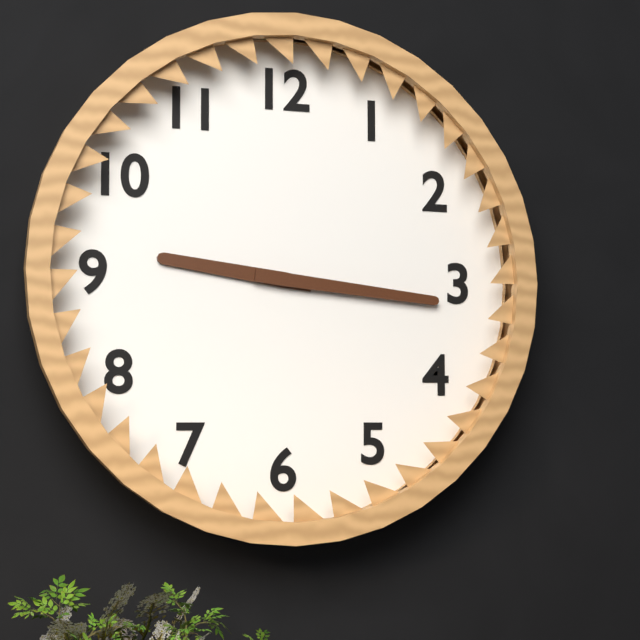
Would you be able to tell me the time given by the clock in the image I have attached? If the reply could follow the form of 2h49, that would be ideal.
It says 9h16
